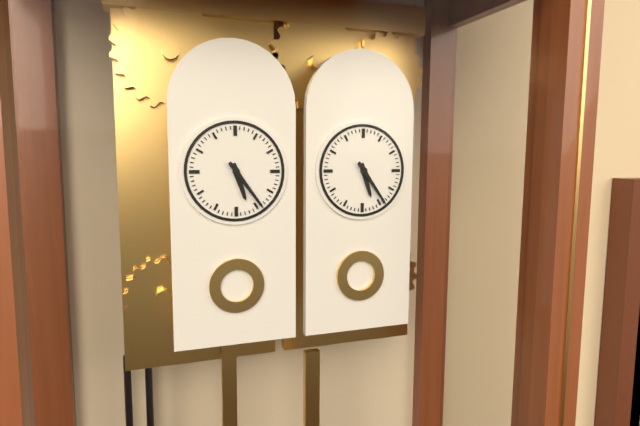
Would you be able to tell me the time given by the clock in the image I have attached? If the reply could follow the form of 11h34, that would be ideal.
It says 5h24
